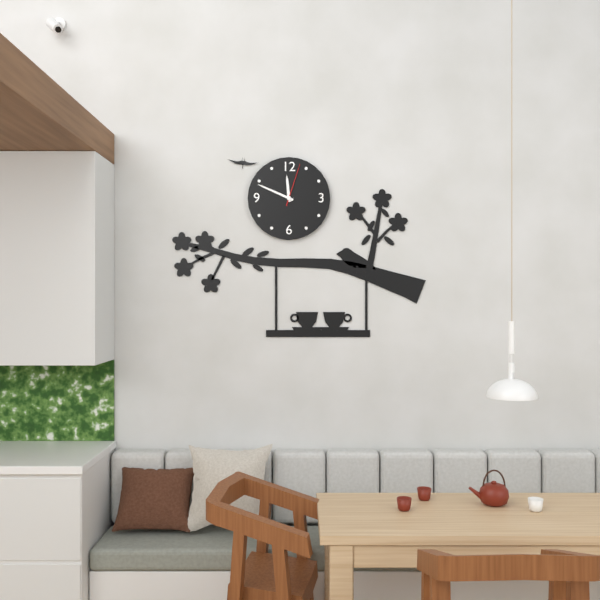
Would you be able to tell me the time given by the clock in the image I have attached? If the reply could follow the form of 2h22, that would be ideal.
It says 11h49
